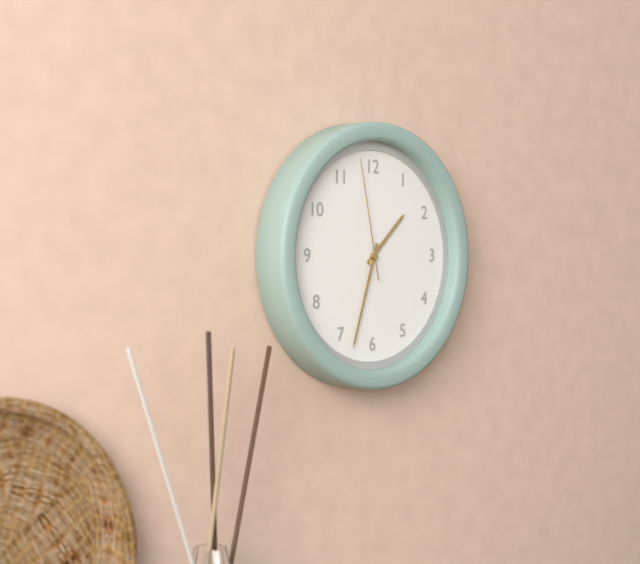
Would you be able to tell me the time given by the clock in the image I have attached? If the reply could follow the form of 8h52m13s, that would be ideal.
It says 1h33m58s
